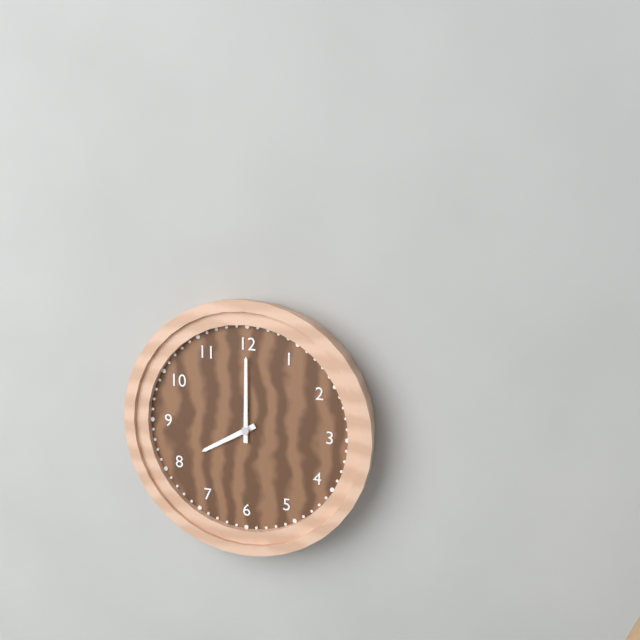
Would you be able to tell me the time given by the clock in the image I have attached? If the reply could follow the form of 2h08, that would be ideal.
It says 8h00
